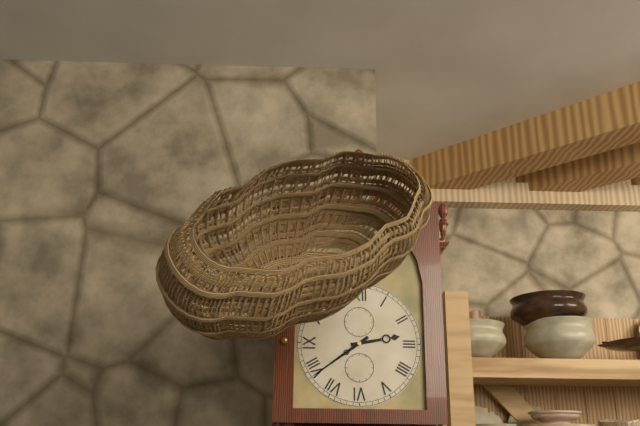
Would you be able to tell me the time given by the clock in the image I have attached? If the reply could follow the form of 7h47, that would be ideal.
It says 2h39
